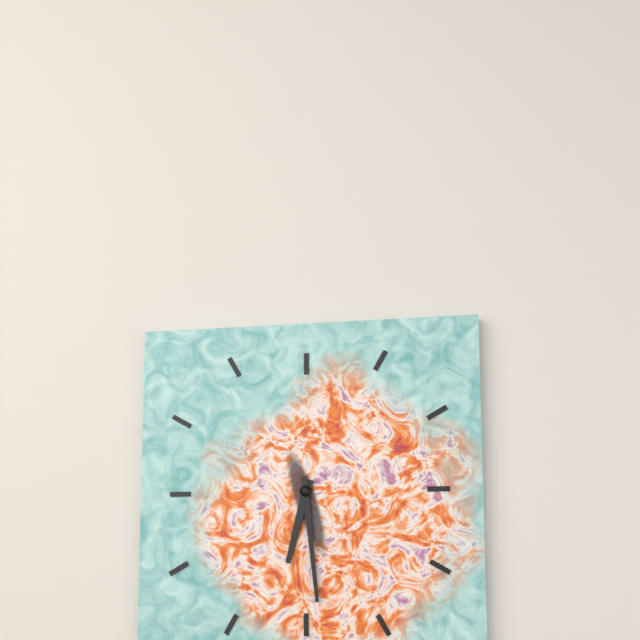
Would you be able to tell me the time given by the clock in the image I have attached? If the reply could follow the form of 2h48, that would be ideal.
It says 6h29
